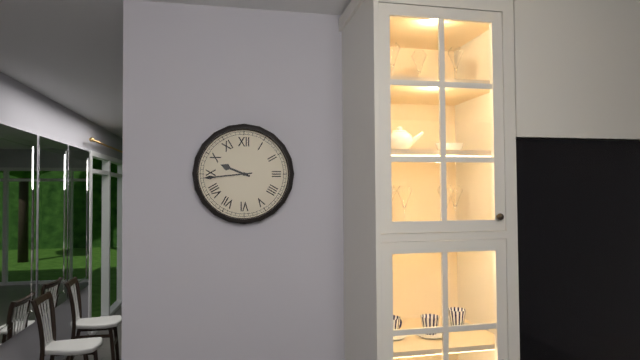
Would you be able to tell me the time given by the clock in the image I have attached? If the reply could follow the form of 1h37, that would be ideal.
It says 9h44
